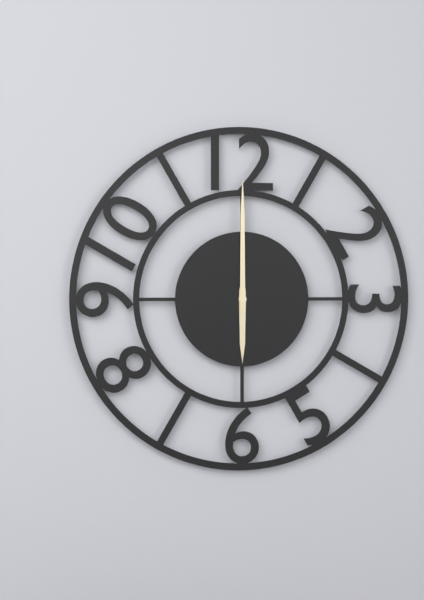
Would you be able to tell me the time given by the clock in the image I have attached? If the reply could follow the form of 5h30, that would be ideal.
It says 6h00
